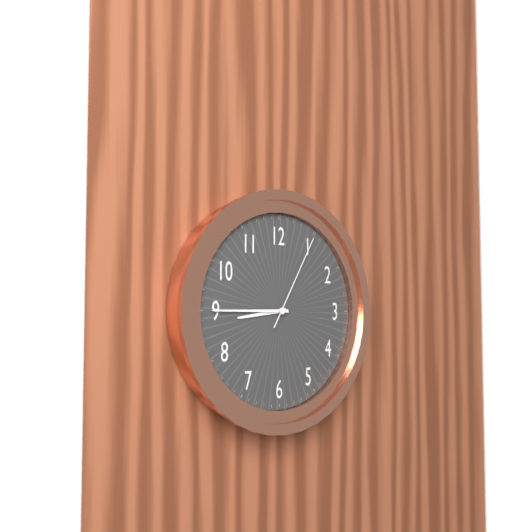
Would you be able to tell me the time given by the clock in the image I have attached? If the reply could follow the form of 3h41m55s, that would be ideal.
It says 8h45m05s
